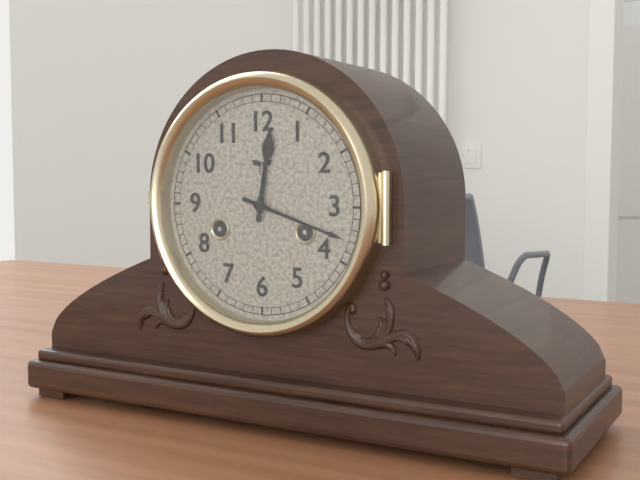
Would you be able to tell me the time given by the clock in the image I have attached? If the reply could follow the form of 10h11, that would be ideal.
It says 12h18
